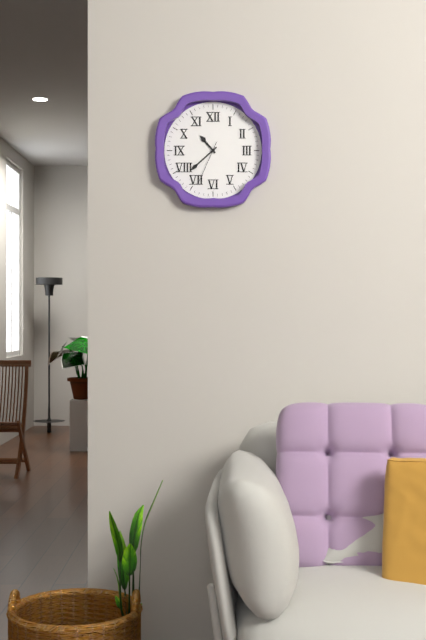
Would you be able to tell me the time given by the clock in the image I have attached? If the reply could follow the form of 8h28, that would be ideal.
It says 10h38
